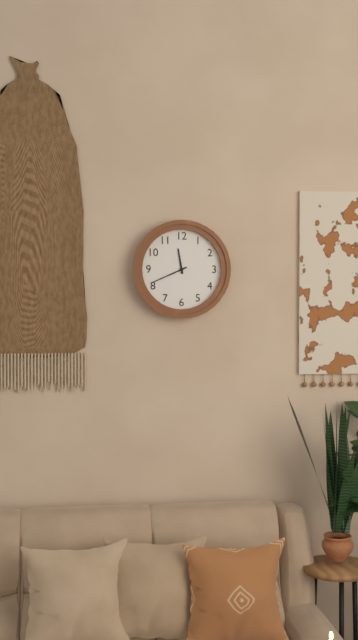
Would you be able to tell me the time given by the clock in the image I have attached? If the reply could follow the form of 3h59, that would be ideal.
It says 11h41
